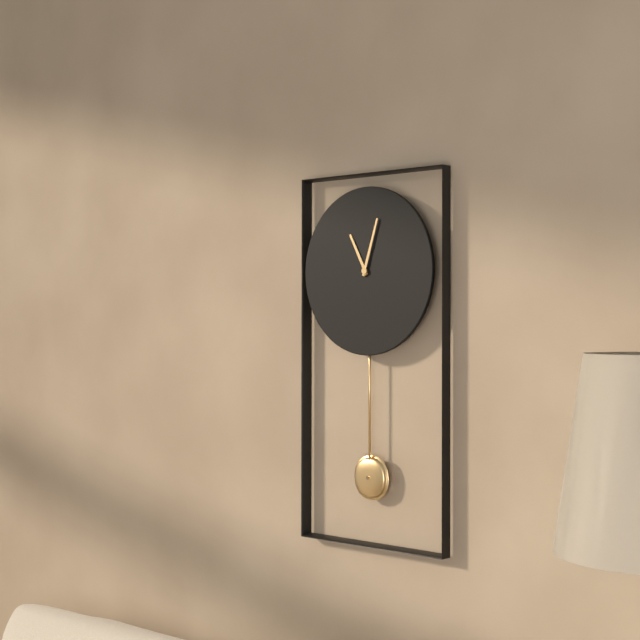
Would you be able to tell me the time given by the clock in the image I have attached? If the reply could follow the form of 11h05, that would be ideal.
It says 11h03
